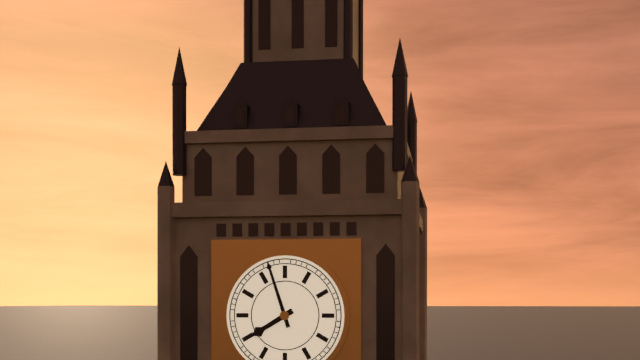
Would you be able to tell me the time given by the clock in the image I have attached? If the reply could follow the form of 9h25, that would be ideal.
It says 7h57
